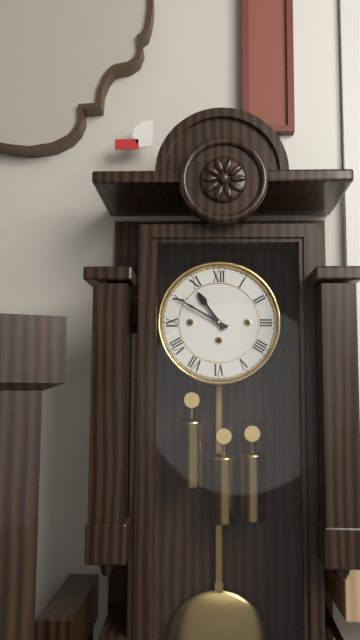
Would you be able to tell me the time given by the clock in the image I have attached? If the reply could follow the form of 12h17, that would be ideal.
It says 10h50
